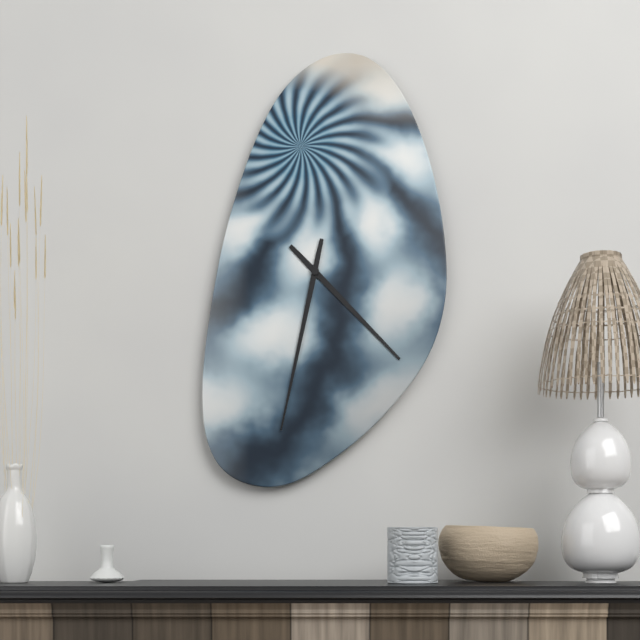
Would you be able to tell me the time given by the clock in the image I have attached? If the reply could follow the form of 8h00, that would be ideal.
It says 4h32
